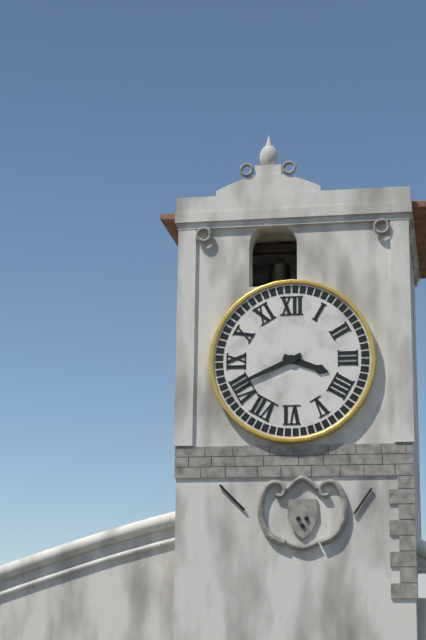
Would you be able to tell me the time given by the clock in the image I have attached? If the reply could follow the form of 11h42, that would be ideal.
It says 3h41
